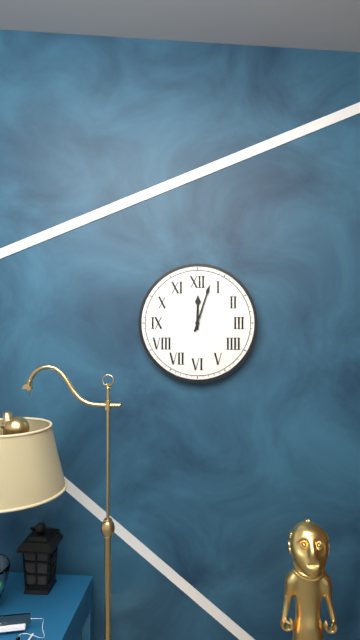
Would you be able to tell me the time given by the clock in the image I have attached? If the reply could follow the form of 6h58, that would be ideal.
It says 12h03
